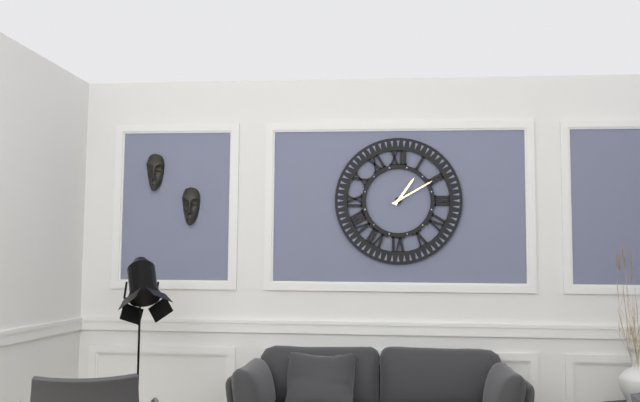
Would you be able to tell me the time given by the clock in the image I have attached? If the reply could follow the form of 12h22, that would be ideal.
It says 1h10
